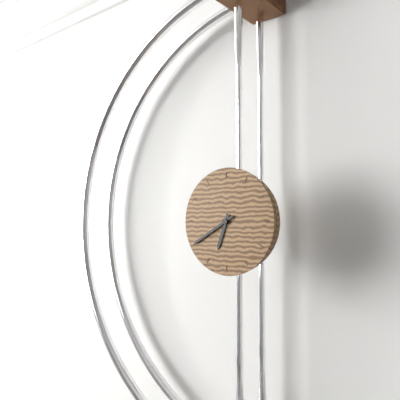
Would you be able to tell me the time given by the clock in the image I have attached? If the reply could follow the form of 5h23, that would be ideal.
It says 6h40
